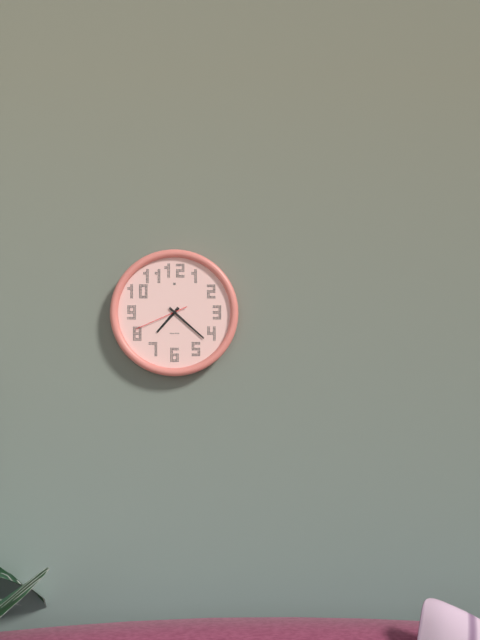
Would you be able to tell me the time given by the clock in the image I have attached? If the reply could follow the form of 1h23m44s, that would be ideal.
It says 7h22m41s
